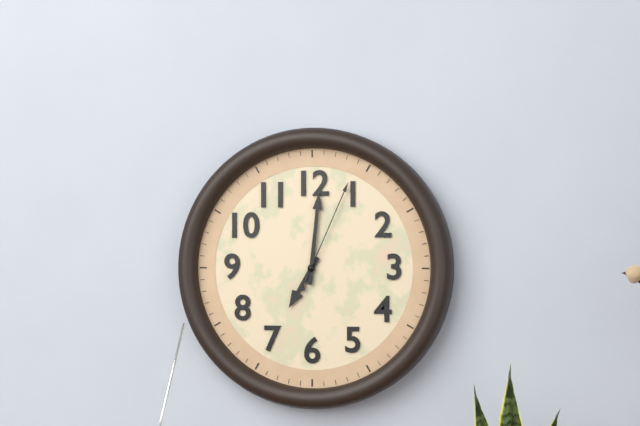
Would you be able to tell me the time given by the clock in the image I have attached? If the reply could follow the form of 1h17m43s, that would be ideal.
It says 7h01m04s
